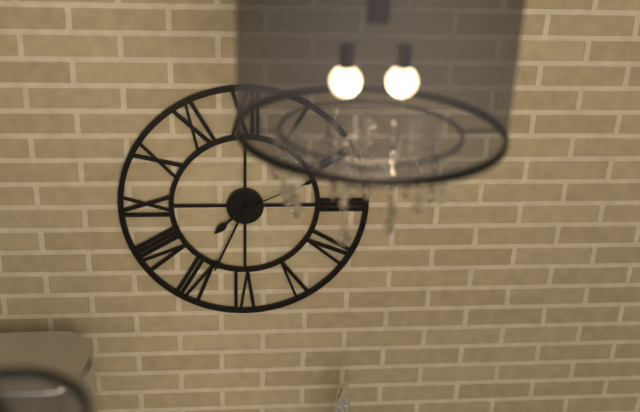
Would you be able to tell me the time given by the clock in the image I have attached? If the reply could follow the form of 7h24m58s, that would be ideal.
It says 7h34m11s
